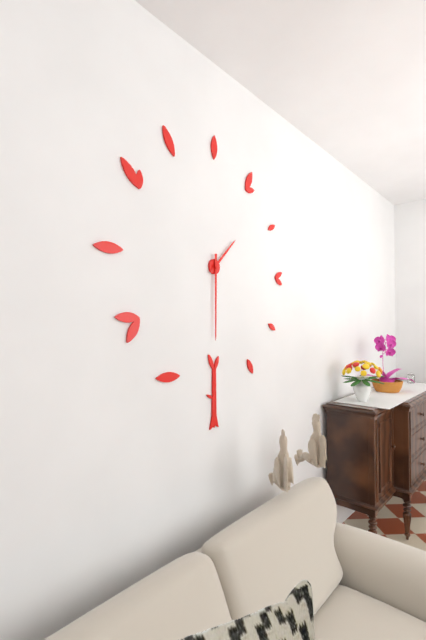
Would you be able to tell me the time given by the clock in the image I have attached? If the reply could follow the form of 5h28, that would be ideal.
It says 1h30
